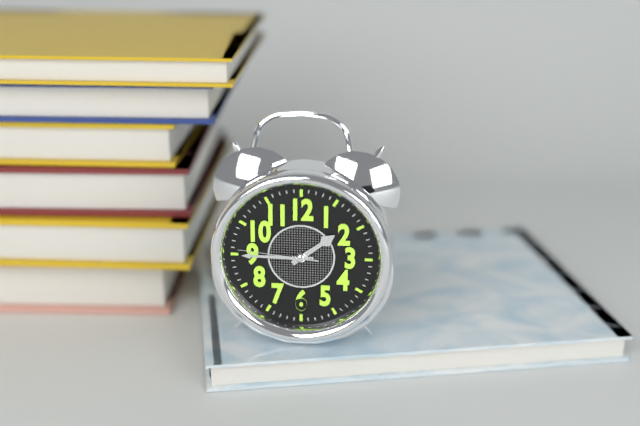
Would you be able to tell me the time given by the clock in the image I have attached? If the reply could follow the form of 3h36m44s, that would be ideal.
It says 1h45m46s
